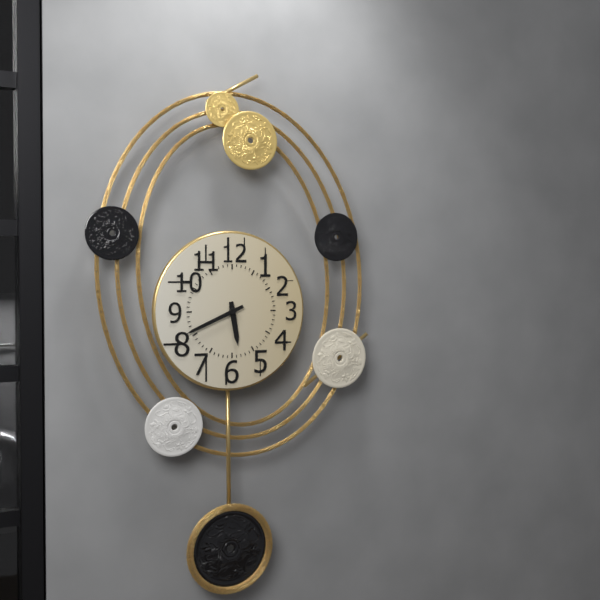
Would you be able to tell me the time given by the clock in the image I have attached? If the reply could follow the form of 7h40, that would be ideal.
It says 5h41
